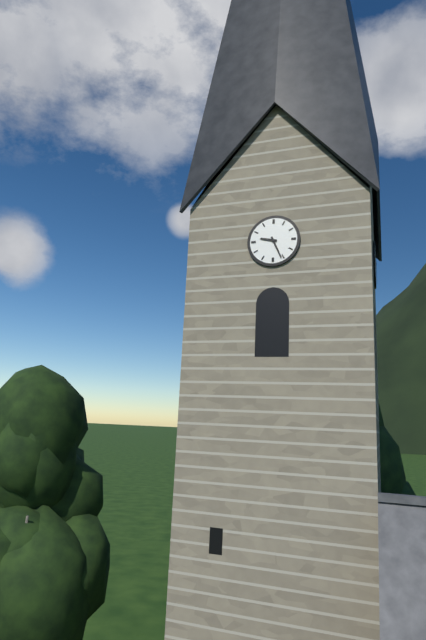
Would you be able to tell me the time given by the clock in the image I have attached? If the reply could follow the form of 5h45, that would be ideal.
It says 9h26
